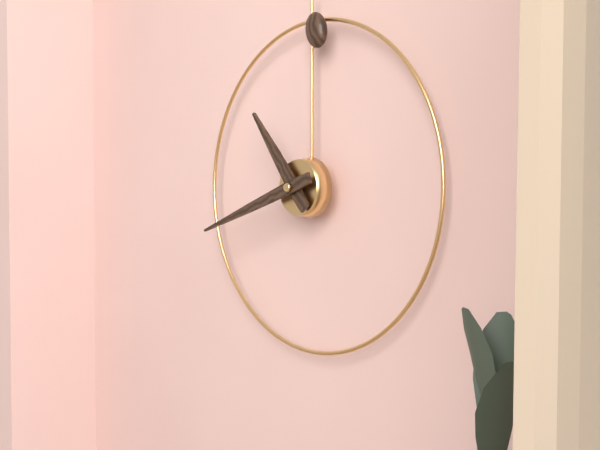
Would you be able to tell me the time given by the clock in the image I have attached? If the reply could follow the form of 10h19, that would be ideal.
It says 10h42
